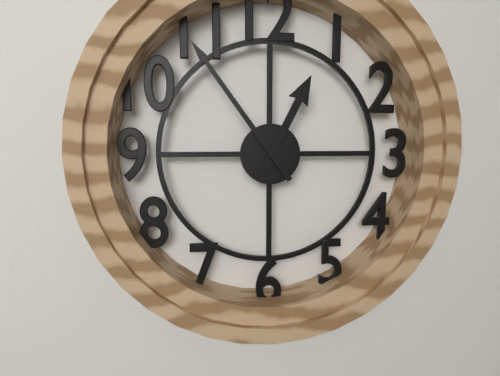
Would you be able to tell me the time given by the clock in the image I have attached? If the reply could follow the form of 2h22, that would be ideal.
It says 12h54
